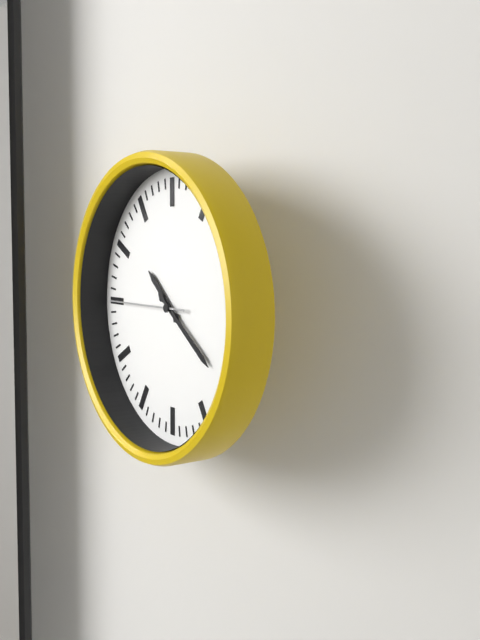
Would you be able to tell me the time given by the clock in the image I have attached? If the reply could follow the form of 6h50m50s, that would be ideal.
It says 10h21m45s
